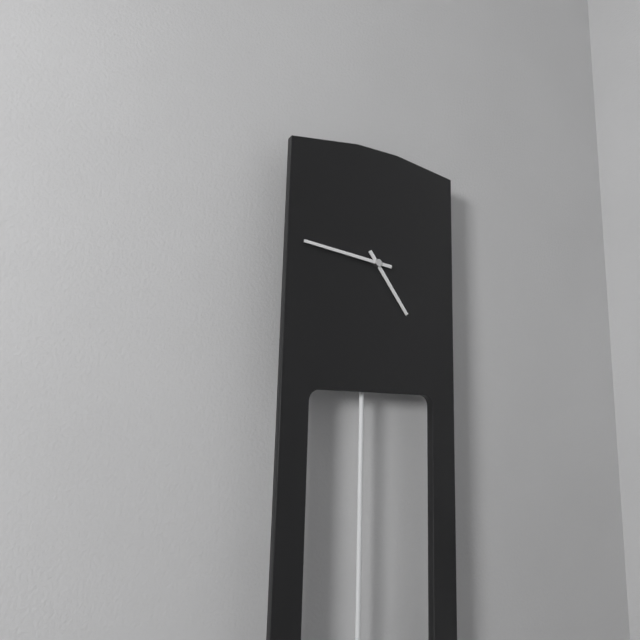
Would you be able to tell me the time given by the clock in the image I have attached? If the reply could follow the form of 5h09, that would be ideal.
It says 4h46
